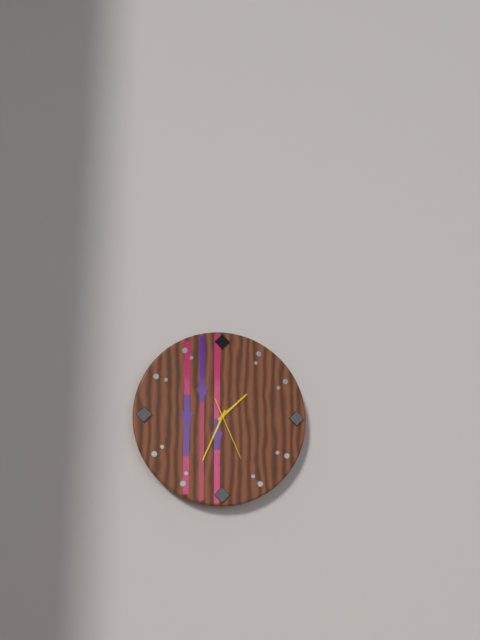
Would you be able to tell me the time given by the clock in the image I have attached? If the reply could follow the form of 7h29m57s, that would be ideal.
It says 1h34m26s
